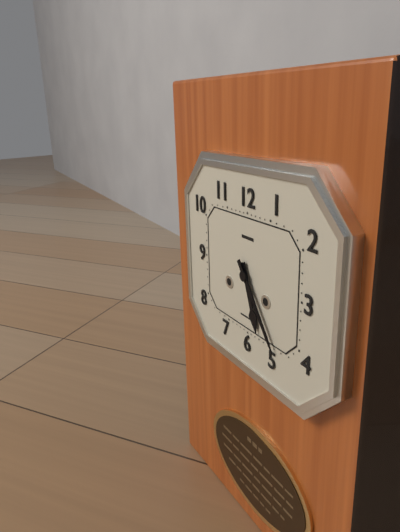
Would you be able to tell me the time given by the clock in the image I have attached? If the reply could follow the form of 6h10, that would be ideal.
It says 5h24
